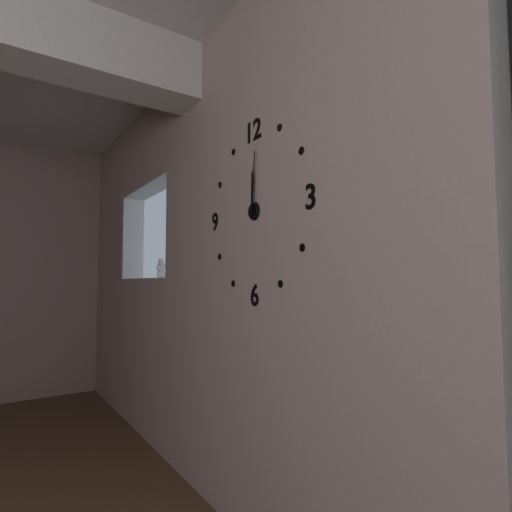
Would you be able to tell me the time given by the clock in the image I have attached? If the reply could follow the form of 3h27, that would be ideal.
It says 12h01
